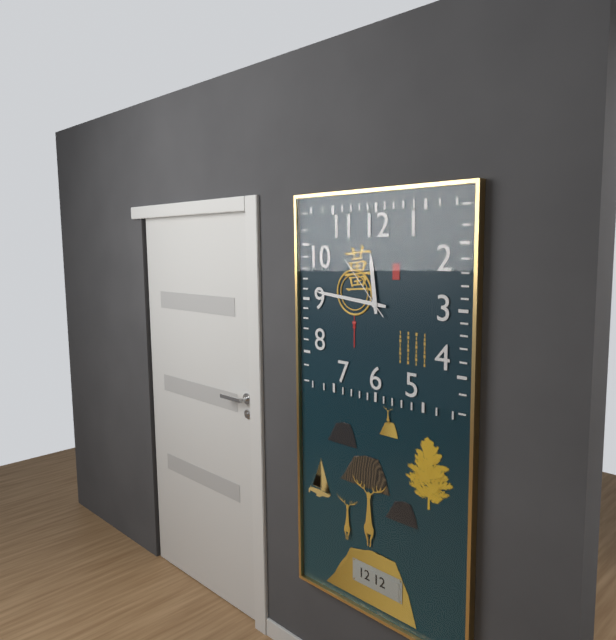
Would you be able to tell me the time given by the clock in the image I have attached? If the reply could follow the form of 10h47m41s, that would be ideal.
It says 11h46m53s
